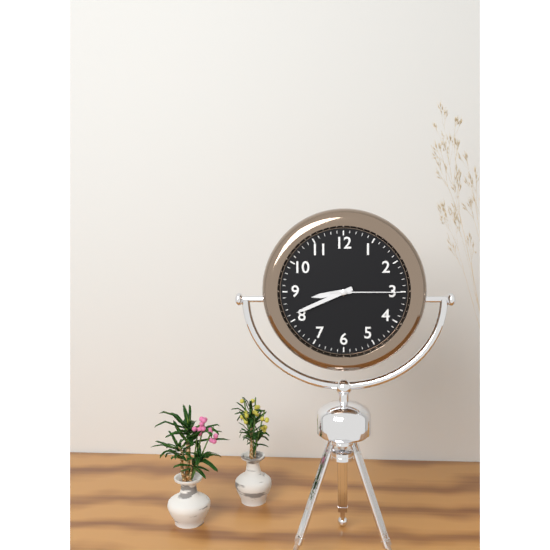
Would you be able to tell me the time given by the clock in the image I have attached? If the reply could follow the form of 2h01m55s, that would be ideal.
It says 8h41m15s
